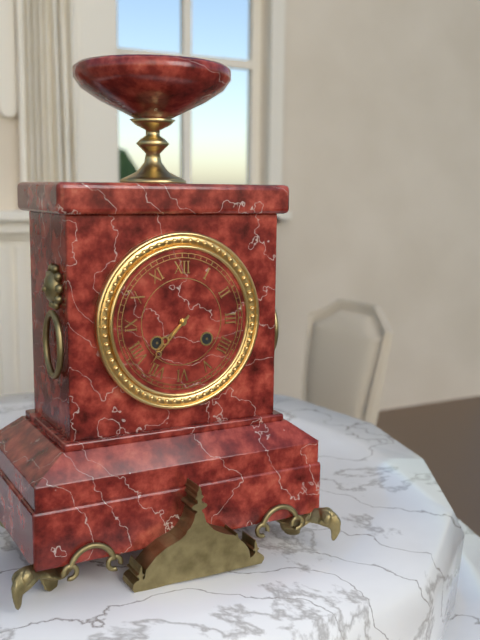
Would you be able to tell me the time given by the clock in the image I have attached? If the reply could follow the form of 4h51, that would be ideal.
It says 7h37
